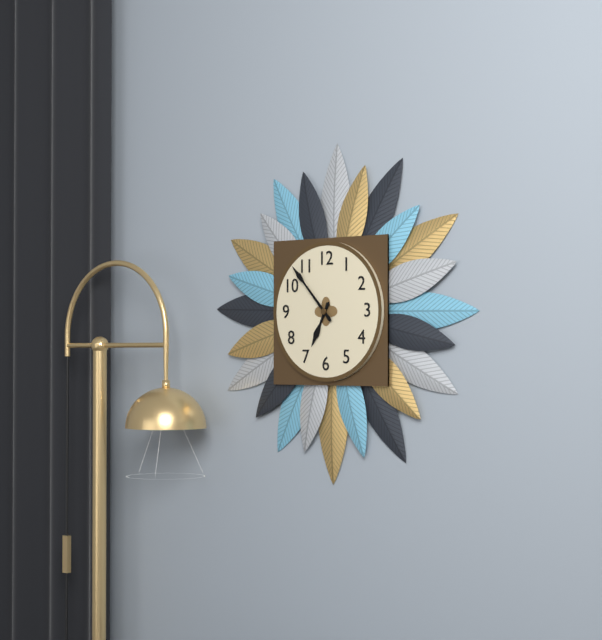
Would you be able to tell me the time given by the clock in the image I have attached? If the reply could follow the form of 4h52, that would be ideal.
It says 6h53
